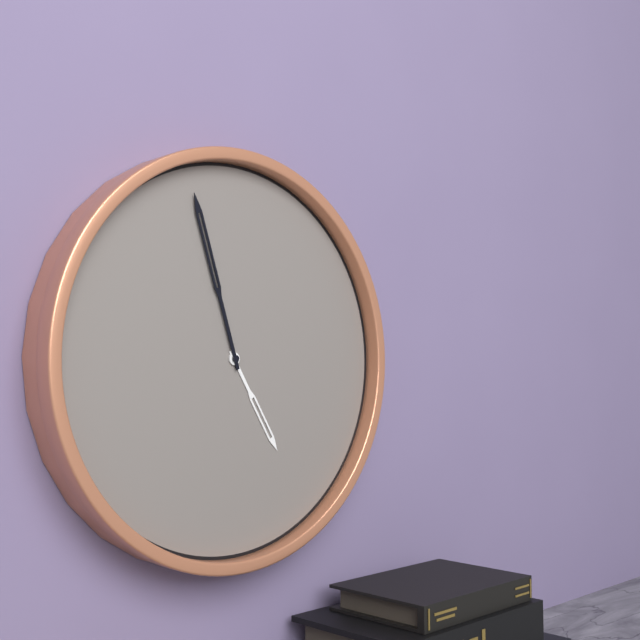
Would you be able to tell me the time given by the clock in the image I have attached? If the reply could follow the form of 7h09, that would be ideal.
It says 4h57
